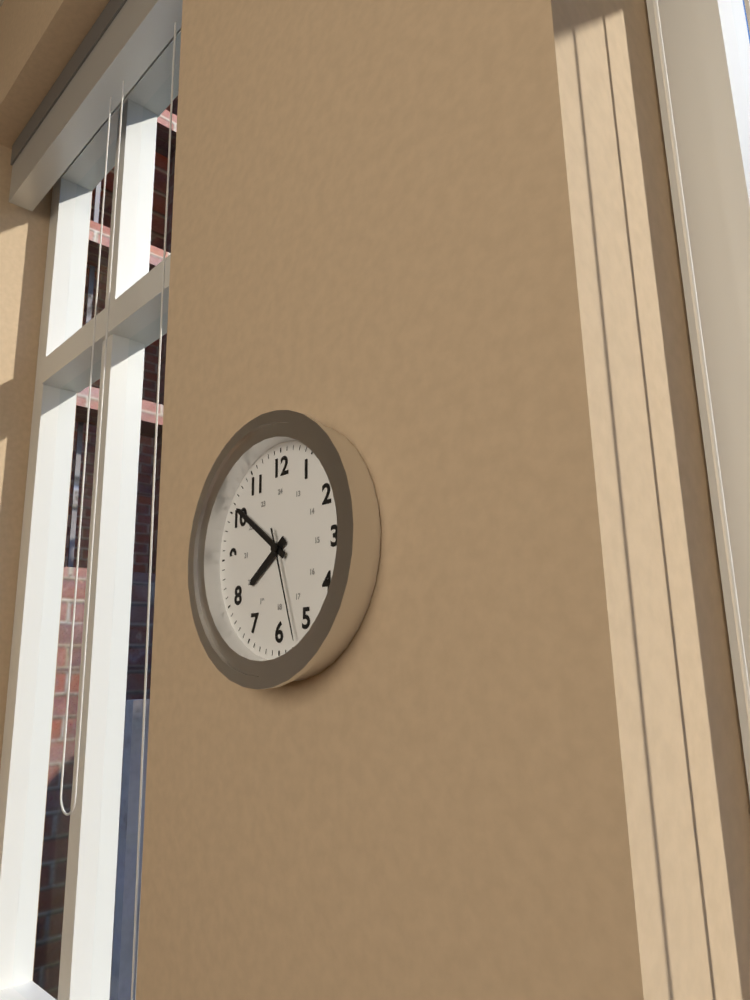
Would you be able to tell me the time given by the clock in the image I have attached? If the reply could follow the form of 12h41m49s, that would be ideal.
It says 7h51m27s
